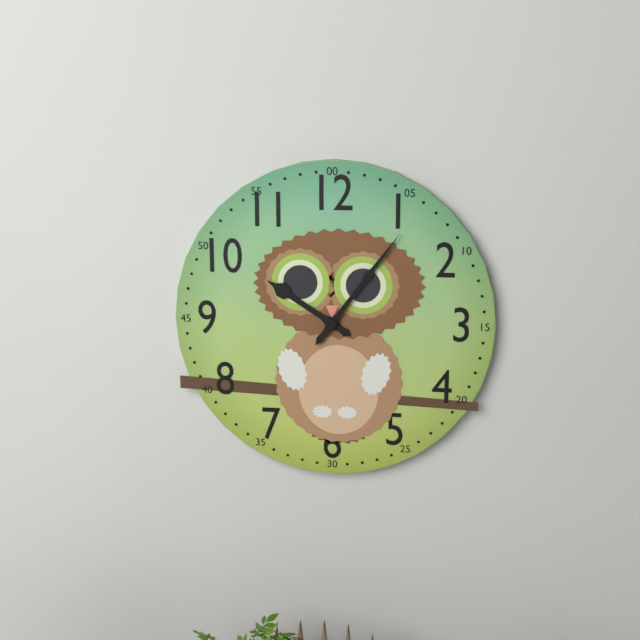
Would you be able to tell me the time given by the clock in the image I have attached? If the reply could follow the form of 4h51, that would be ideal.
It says 10h06
